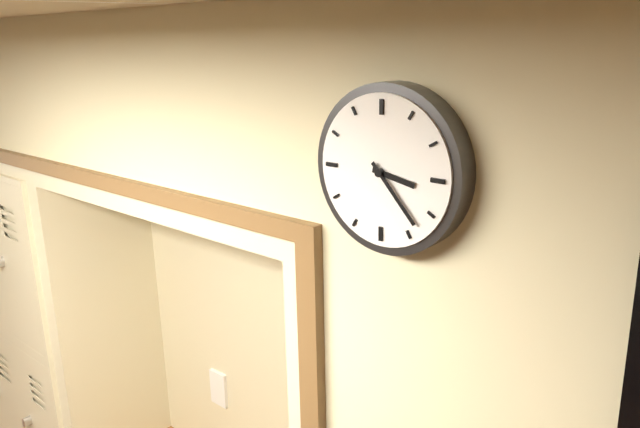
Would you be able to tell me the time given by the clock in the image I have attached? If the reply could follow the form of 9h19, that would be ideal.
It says 3h23
